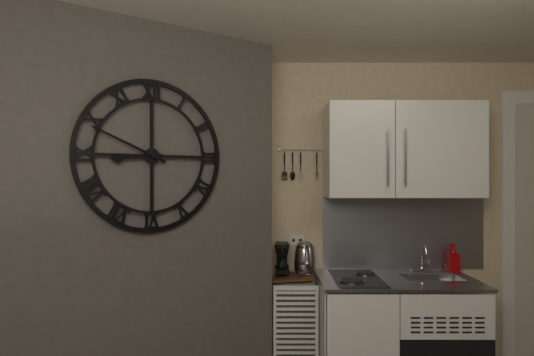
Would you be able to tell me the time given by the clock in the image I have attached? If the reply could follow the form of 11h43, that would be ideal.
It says 8h49
